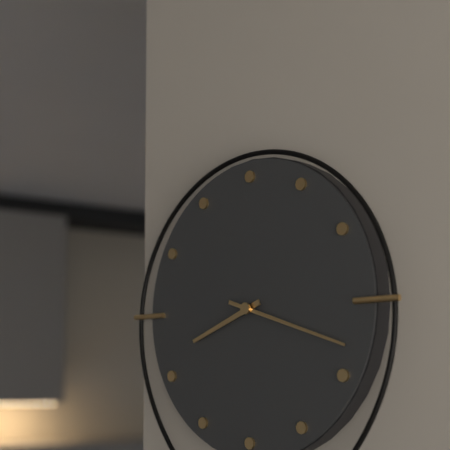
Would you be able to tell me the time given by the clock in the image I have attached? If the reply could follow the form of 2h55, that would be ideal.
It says 8h18
